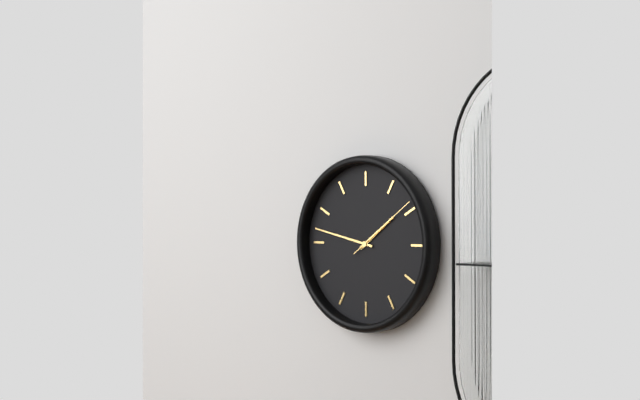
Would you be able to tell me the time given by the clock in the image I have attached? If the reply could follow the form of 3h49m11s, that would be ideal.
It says 1h47m09s
